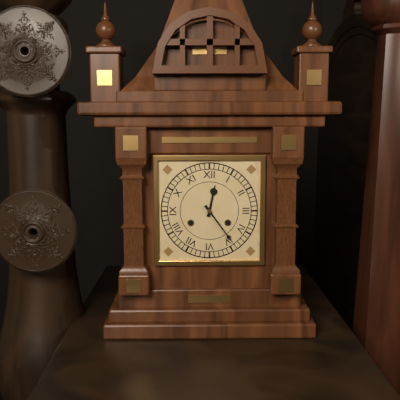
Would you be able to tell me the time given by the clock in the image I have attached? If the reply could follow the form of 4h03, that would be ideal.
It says 12h24
